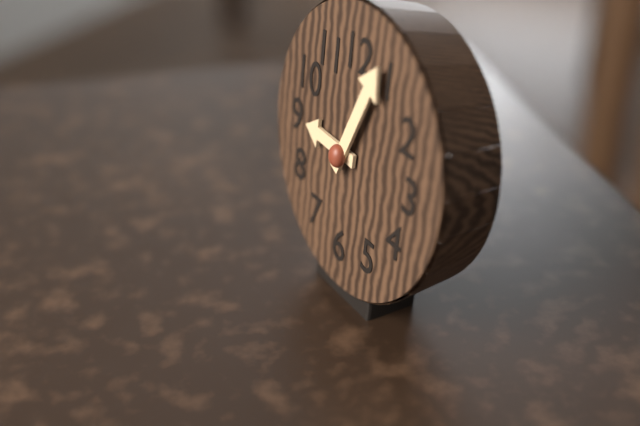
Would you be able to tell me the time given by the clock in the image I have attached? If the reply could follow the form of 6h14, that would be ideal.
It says 9h04
